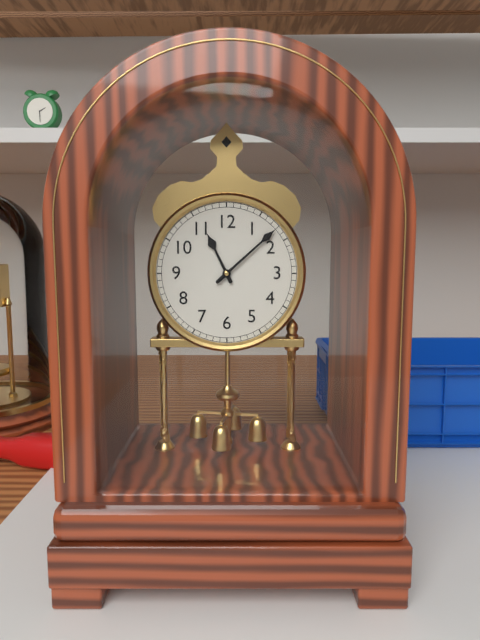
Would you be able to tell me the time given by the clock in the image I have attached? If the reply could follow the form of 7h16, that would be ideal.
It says 11h08
